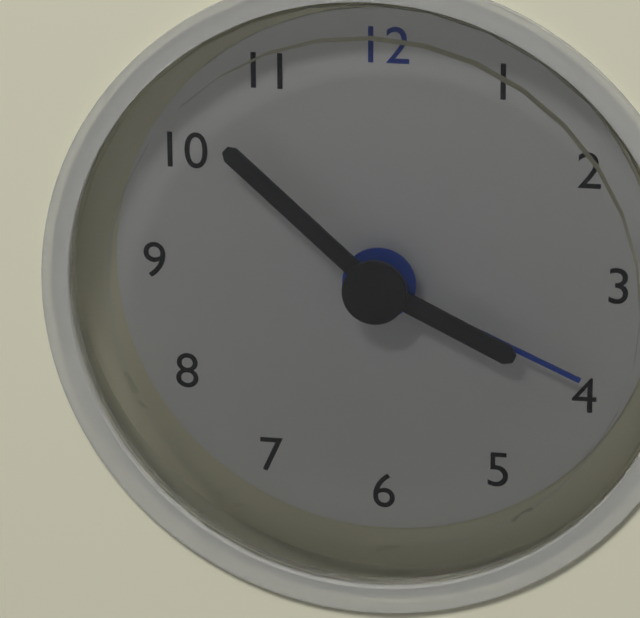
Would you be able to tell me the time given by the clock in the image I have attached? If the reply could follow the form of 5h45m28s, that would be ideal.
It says 3h52m19s
